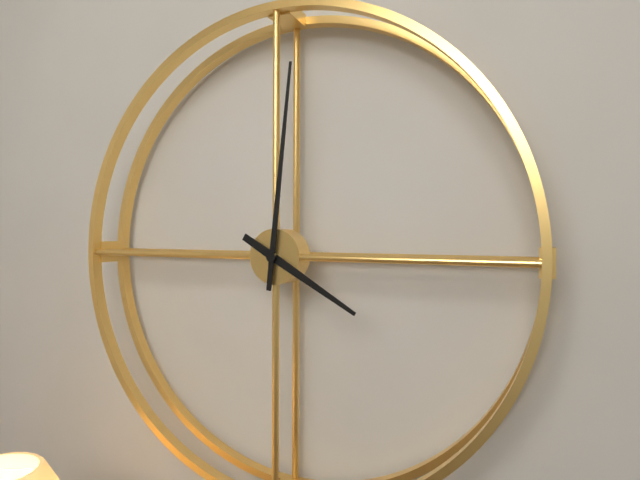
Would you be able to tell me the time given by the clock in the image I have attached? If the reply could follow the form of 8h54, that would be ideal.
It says 4h01
